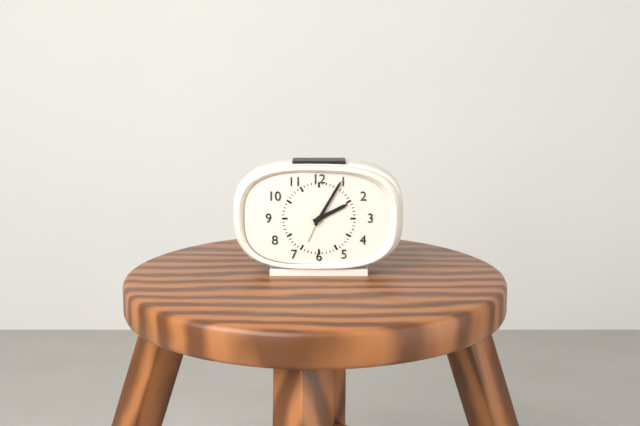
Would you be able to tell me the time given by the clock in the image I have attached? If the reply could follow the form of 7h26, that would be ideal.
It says 2h05
